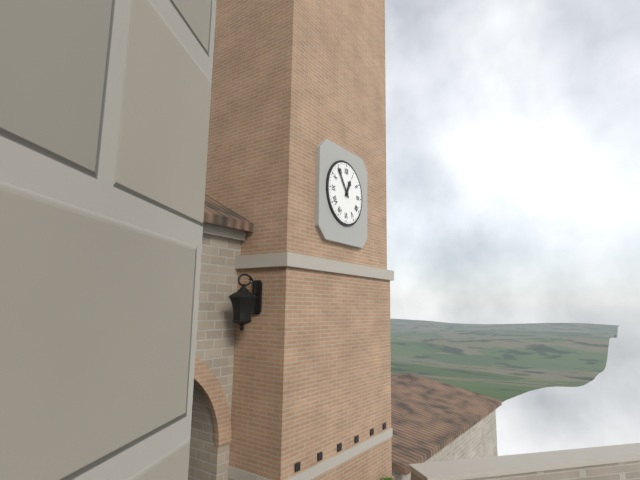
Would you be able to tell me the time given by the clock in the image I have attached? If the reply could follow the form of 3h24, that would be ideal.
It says 12h54
